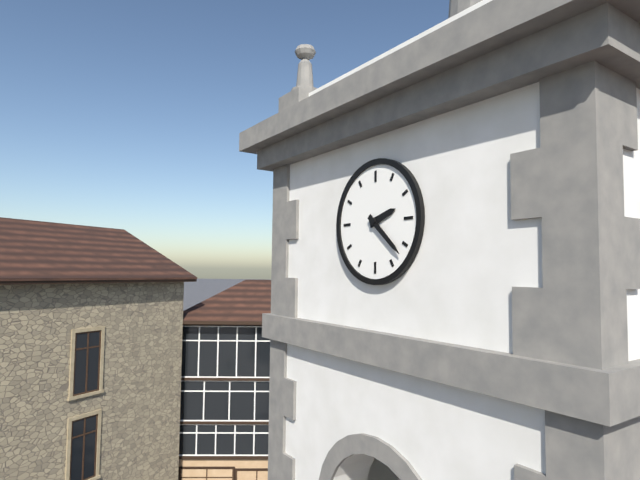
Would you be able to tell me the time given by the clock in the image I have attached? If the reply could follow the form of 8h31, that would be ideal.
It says 2h22
